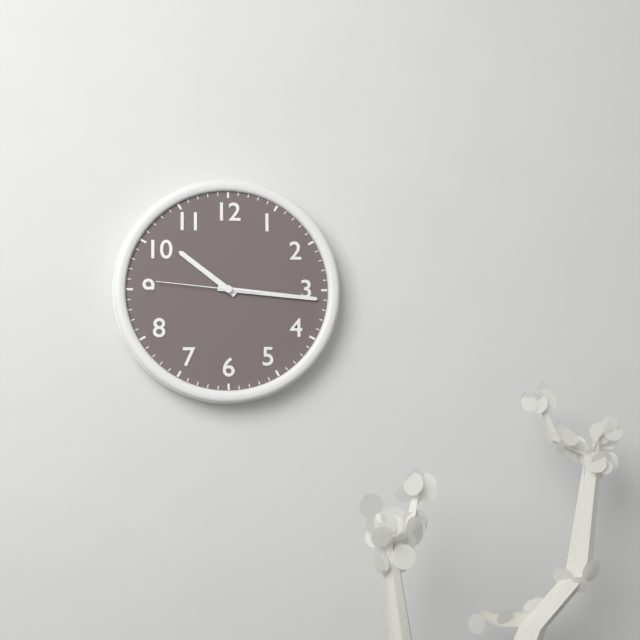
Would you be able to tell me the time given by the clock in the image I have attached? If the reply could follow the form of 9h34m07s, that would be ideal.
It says 10h16m46s
